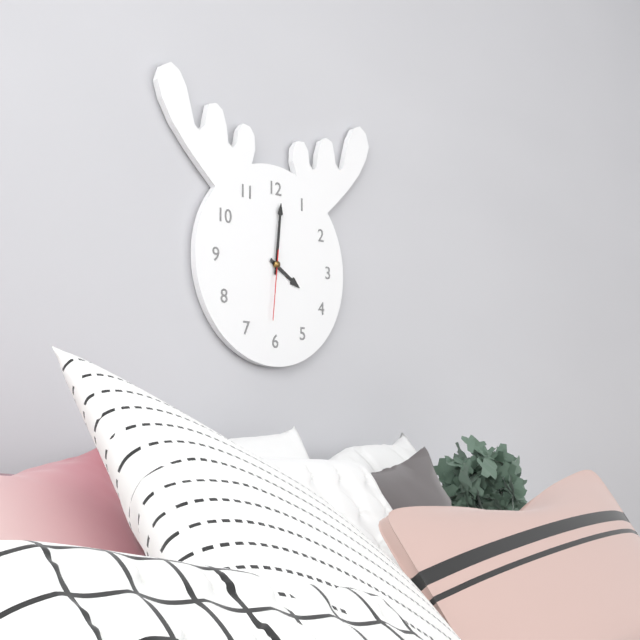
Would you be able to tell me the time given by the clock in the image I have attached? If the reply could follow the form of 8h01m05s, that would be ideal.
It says 4h01m31s
